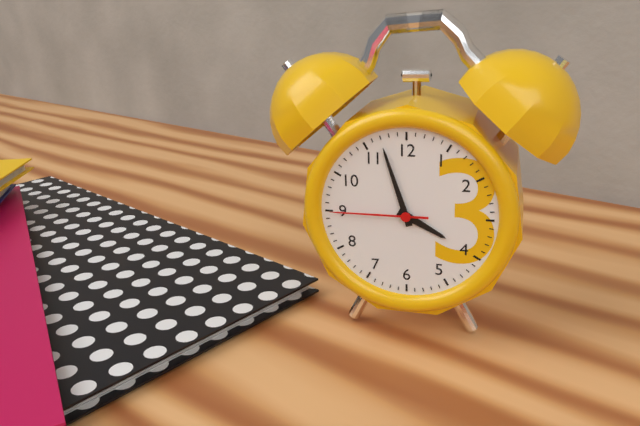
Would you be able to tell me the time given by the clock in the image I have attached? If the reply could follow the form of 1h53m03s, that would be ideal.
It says 3h57m45s
